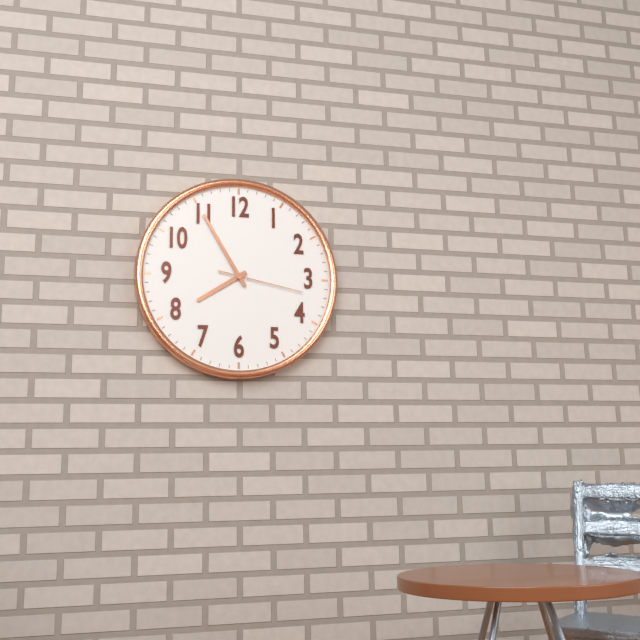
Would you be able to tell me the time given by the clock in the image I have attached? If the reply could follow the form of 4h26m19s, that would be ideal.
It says 7h55m17s
